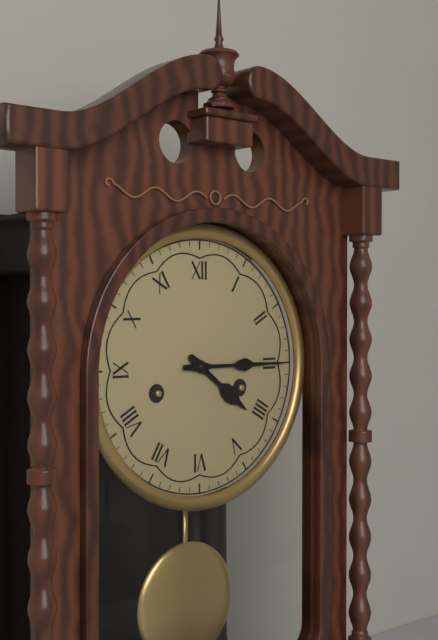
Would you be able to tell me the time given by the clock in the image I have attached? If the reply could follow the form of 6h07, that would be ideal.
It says 4h15
